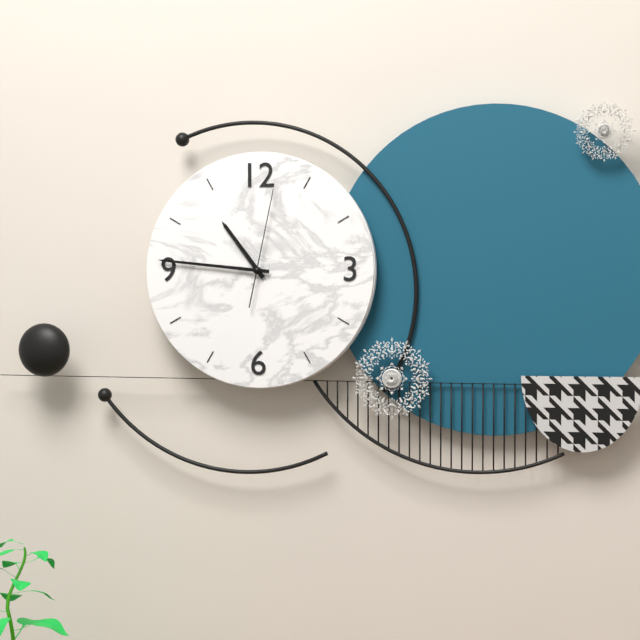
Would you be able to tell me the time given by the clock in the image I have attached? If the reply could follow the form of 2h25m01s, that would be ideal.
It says 10h46m02s
